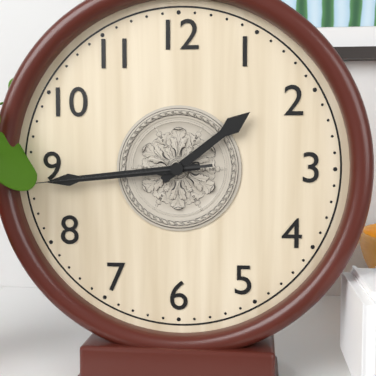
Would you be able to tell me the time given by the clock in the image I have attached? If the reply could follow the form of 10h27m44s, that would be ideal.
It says 1h44m44s
